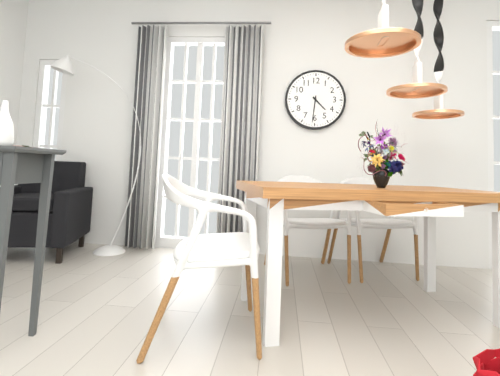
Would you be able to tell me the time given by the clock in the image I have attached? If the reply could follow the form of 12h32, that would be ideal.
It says 4h31
